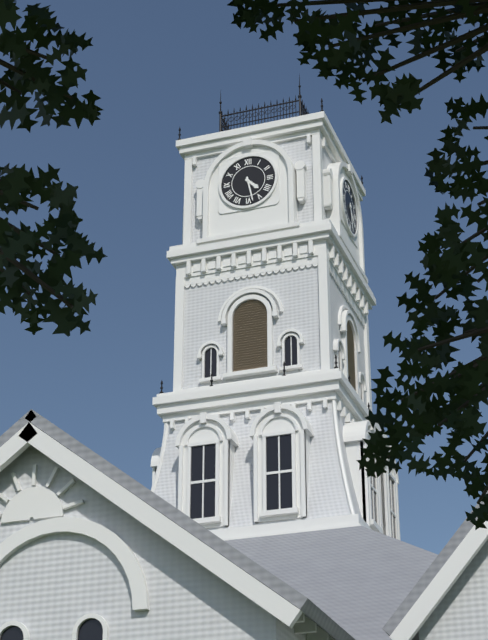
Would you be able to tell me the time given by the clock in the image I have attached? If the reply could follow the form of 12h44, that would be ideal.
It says 4h28
